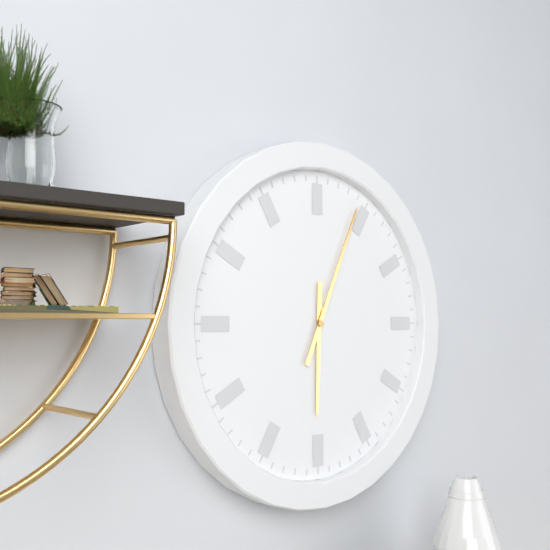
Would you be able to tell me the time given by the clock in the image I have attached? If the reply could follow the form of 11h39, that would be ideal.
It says 6h04
